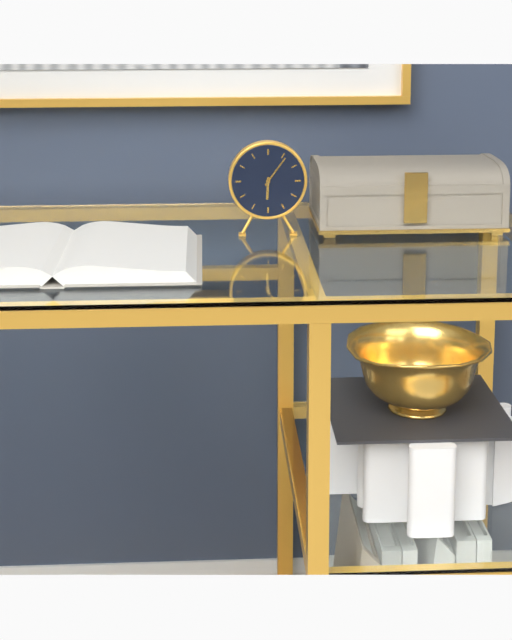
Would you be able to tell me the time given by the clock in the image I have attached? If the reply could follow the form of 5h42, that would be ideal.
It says 6h06
